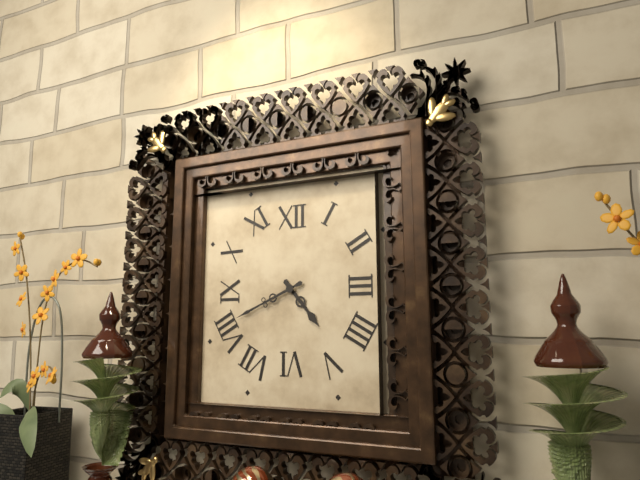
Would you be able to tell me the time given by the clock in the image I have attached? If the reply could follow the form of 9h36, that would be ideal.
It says 4h41
